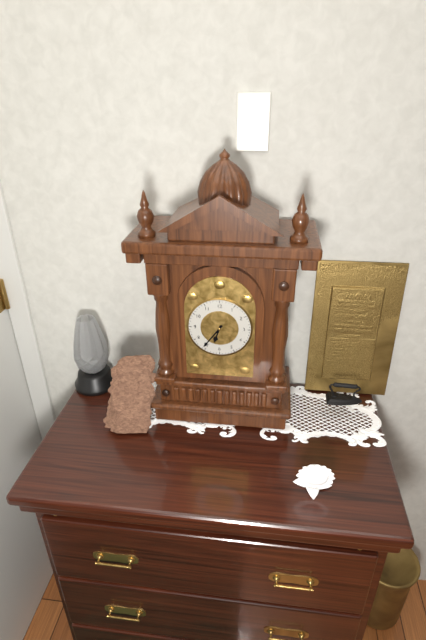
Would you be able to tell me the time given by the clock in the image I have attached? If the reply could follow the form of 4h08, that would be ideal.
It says 6h36
